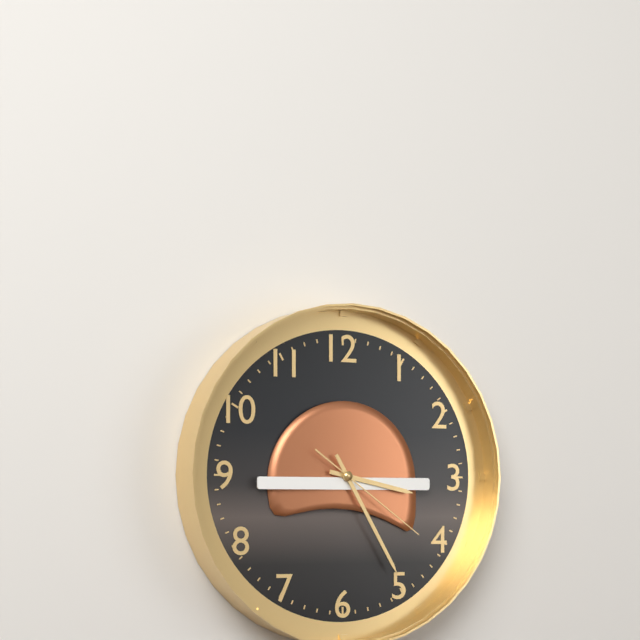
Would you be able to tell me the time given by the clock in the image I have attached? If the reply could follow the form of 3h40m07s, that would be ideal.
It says 3h25m21s
